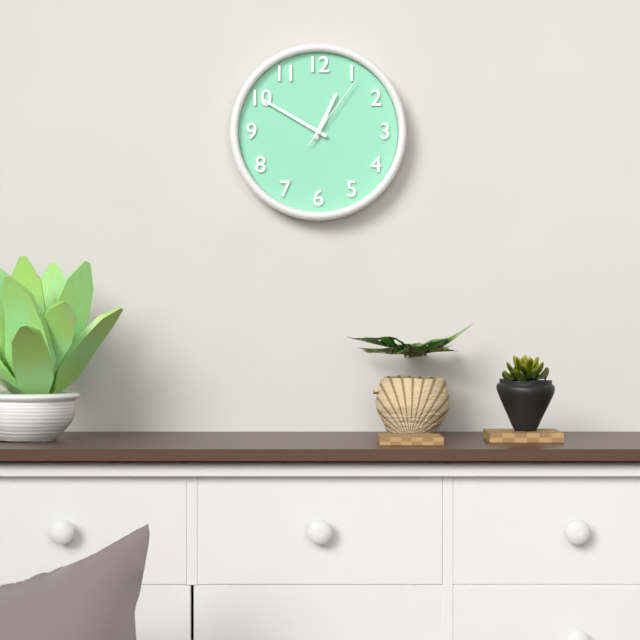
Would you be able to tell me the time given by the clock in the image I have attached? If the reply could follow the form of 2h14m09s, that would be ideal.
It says 12h50m06s
